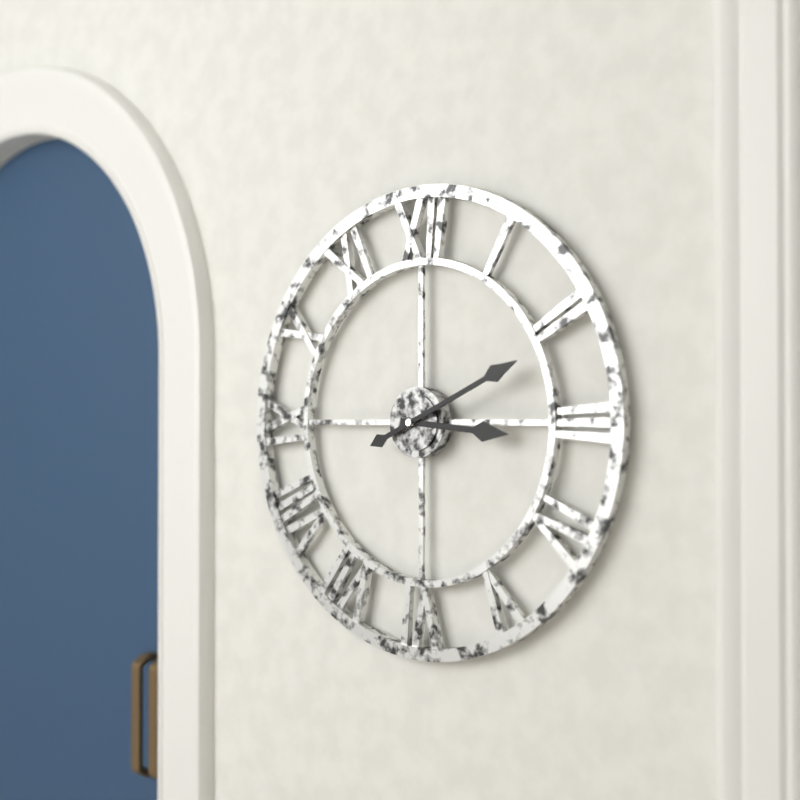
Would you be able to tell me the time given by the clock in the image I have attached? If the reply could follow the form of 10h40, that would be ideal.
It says 3h11
